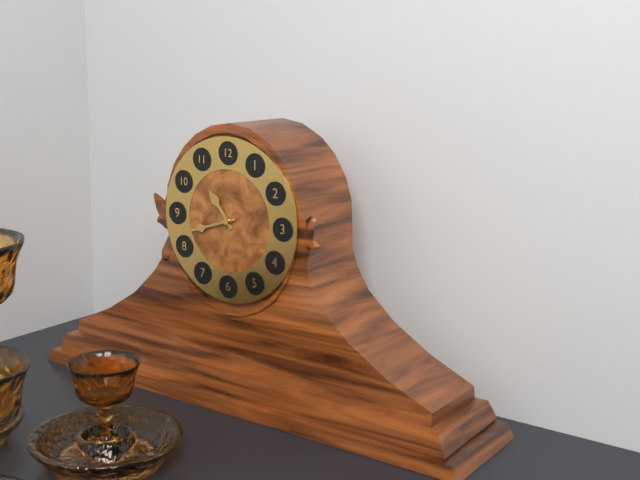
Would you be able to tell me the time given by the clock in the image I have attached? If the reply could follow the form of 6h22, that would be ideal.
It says 10h42
